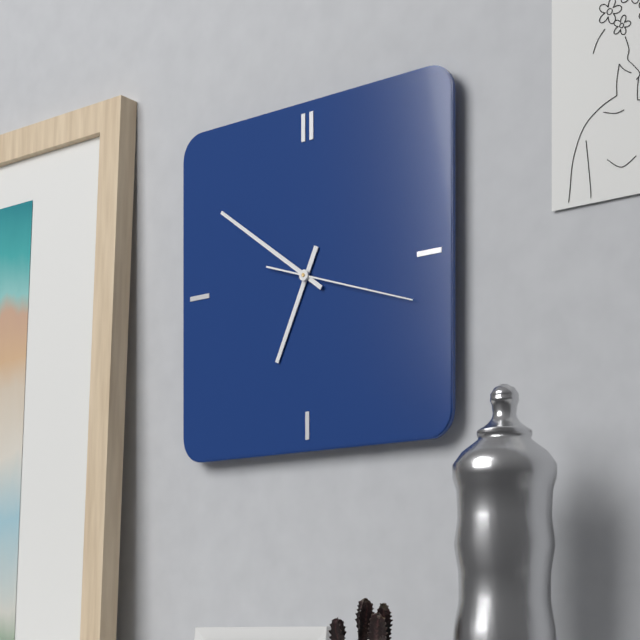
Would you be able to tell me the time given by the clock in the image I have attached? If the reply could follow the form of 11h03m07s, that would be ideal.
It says 6h51m18s
